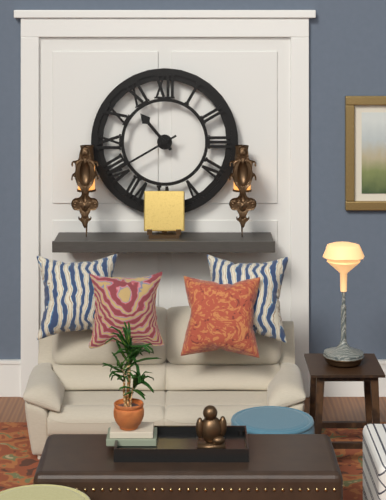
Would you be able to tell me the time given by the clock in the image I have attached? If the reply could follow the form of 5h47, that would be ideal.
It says 10h40
